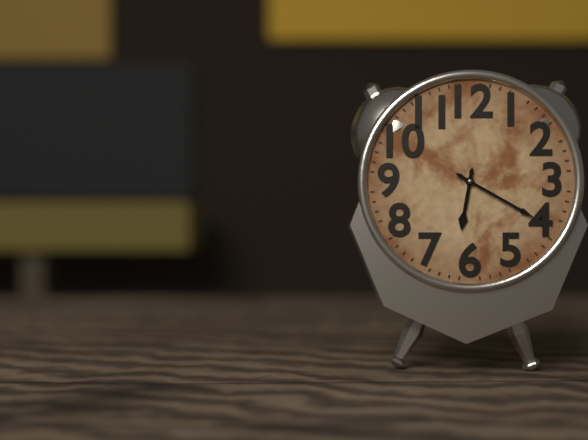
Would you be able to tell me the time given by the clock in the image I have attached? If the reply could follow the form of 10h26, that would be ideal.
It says 6h20
